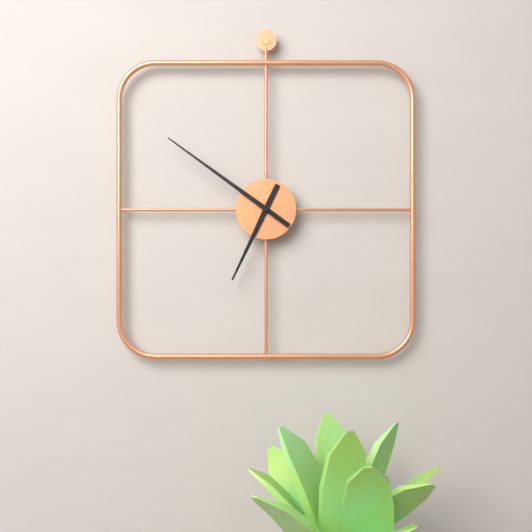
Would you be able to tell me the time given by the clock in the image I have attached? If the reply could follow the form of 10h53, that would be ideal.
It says 6h51
